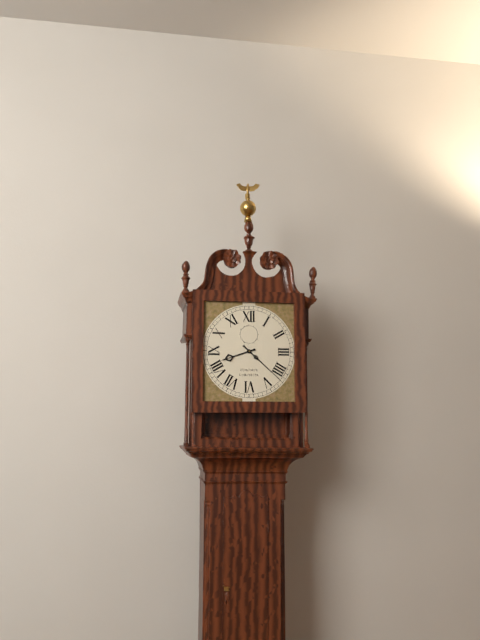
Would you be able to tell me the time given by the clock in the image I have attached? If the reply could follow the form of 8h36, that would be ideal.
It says 8h22
